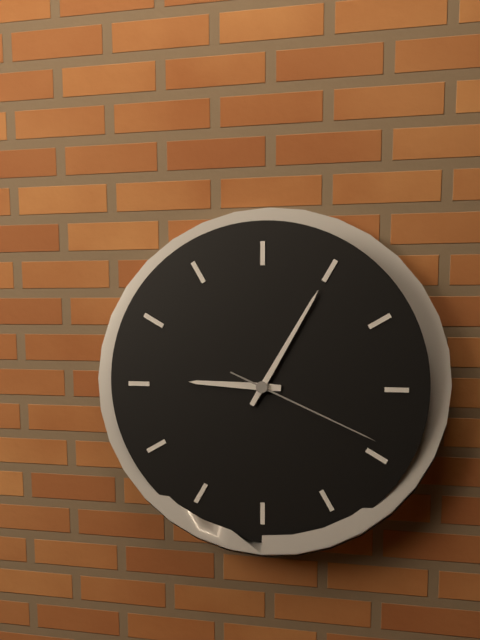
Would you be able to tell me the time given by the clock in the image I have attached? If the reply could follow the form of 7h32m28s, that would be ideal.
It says 9h05m19s
